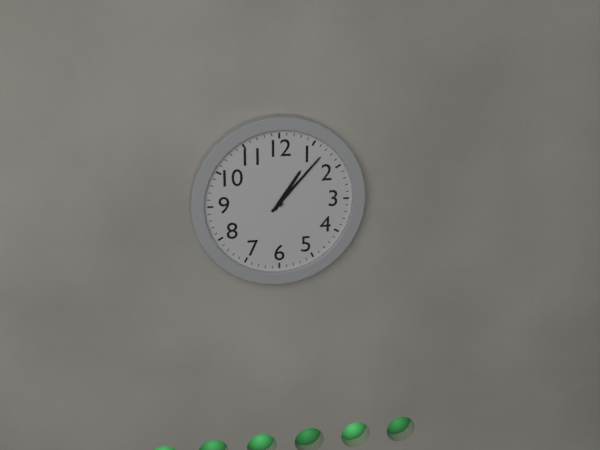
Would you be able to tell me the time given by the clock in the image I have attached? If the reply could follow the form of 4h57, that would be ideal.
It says 1h07
